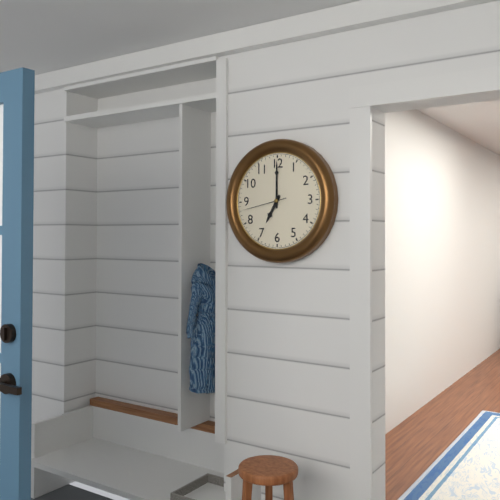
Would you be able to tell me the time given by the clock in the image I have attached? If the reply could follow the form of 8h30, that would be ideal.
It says 7h00
